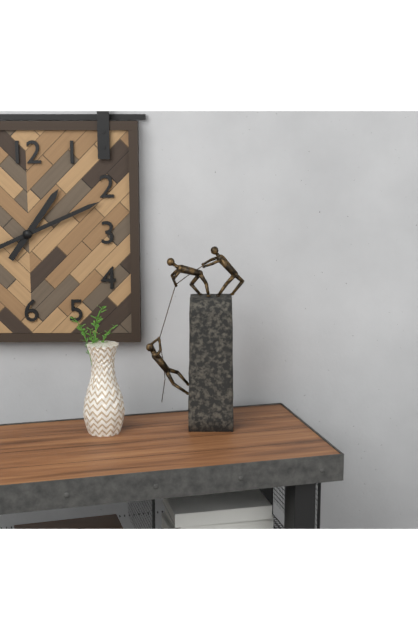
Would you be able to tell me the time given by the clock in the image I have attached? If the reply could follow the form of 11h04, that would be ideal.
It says 1h11
